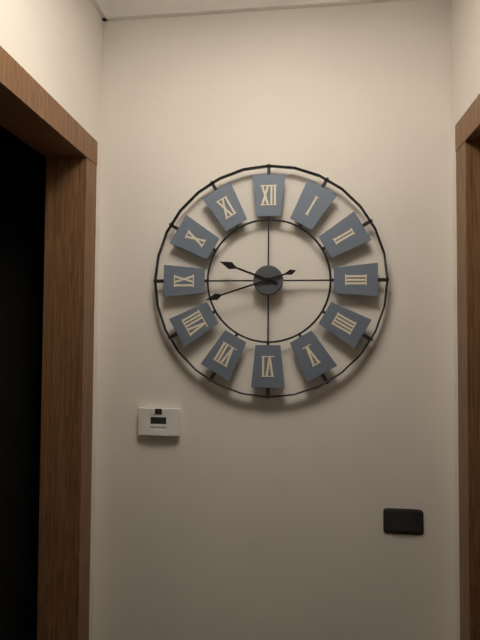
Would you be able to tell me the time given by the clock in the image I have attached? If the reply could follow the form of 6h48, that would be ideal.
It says 9h42
